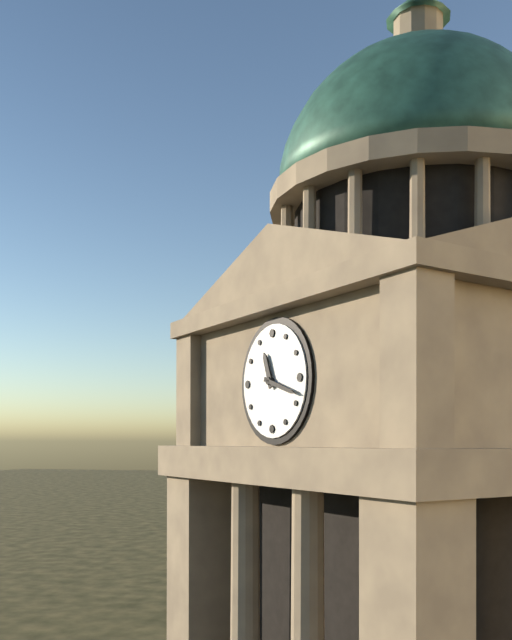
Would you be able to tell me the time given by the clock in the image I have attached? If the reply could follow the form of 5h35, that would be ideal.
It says 11h18
